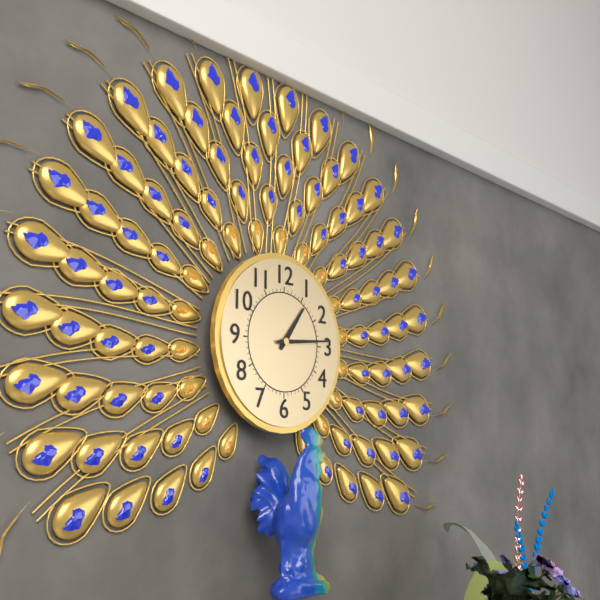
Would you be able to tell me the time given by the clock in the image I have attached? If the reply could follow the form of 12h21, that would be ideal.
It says 1h14
